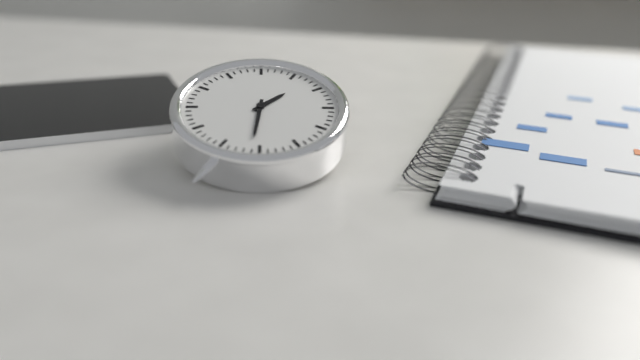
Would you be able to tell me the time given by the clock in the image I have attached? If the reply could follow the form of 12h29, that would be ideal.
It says 1h31
